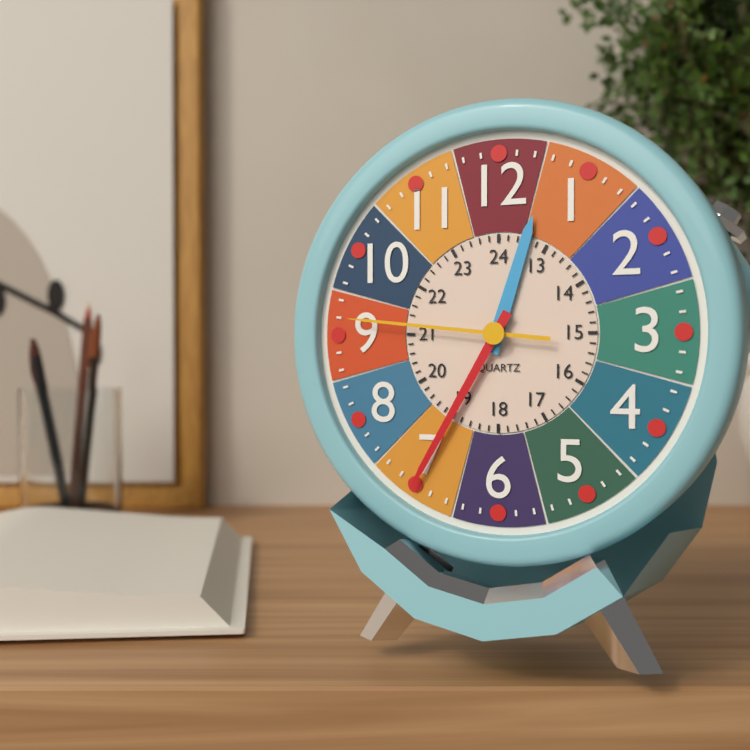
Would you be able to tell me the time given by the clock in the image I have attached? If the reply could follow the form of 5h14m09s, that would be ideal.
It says 12h35m46s
